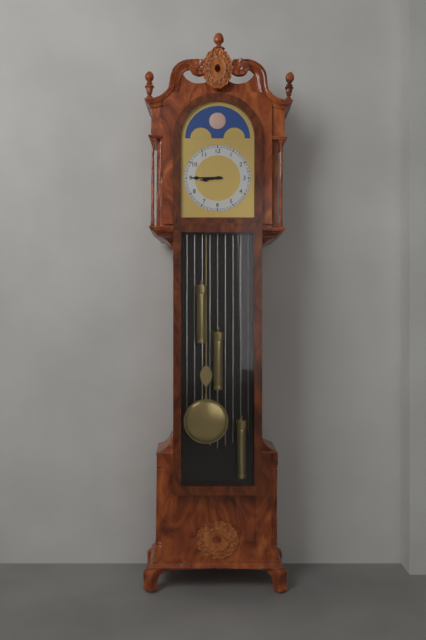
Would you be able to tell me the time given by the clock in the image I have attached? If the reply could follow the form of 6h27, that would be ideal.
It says 8h45
